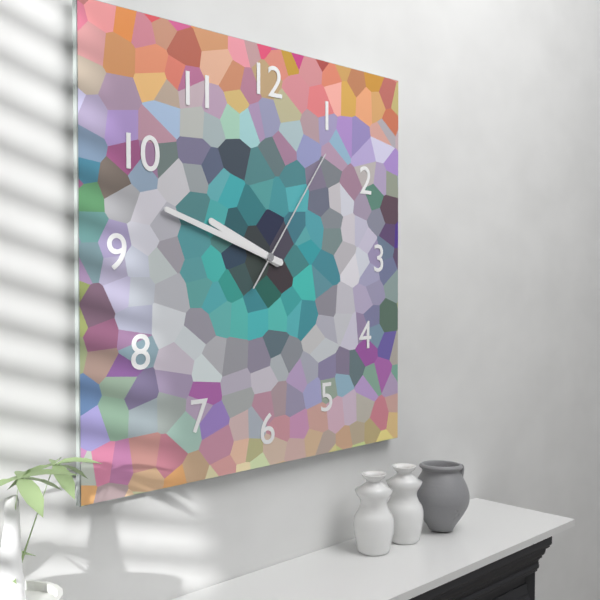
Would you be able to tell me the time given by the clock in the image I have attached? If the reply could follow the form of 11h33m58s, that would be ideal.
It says 9h48m06s
